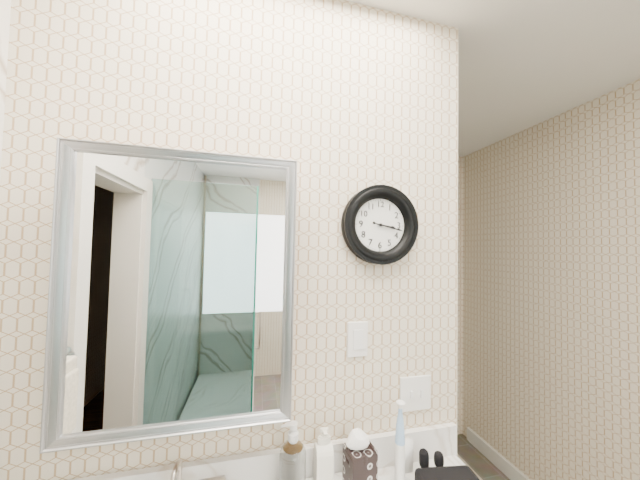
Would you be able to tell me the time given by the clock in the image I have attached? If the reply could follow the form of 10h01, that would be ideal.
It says 3h17
